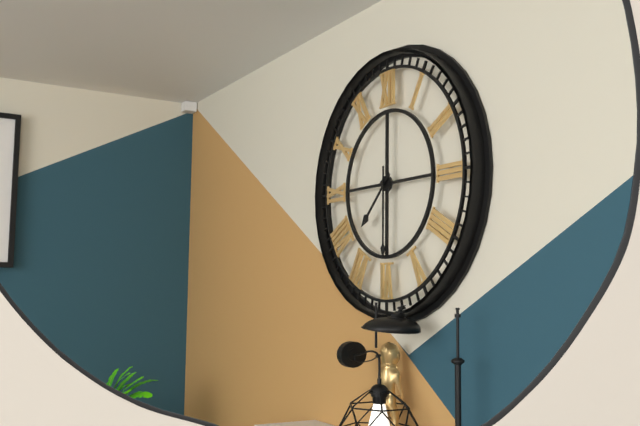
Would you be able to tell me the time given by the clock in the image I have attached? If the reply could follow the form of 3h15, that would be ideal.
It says 7h30
